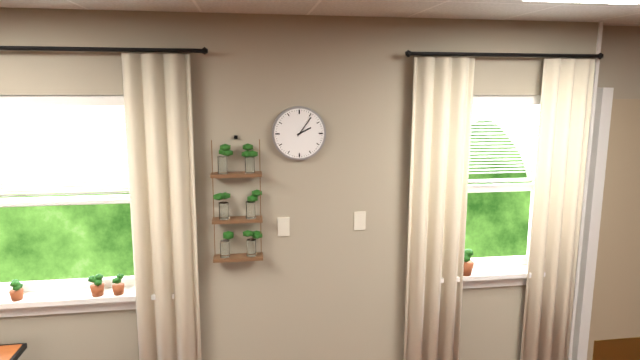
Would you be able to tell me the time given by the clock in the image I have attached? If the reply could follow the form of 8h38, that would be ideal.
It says 2h06
